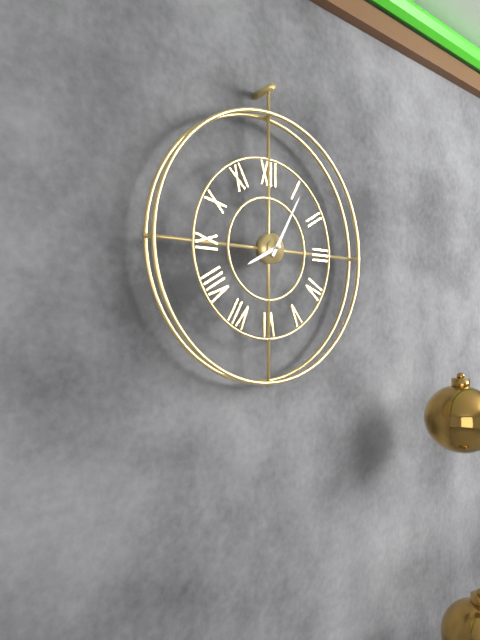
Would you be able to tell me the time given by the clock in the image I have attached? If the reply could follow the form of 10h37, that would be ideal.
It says 8h05
